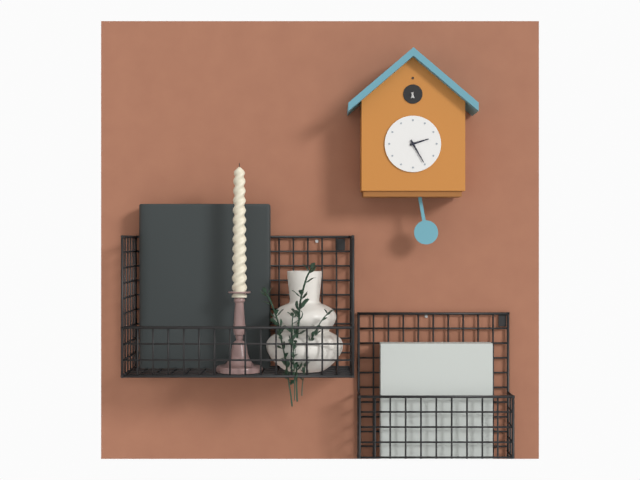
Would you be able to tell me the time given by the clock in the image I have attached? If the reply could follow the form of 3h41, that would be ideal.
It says 2h25
